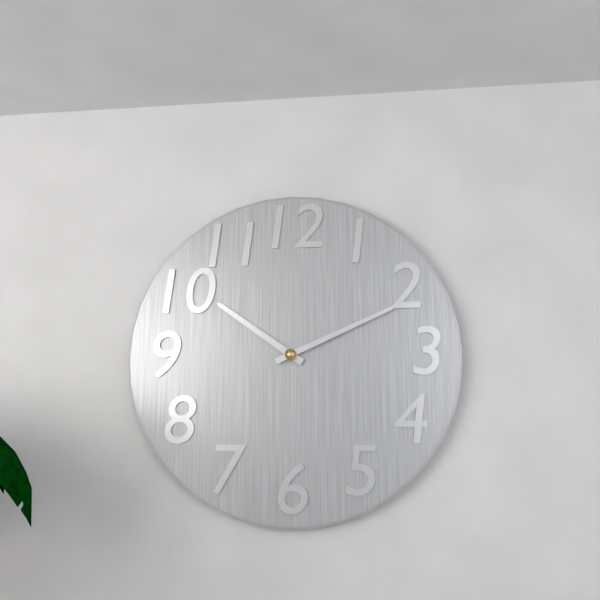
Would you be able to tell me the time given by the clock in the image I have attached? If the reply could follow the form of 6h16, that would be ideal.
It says 10h11
